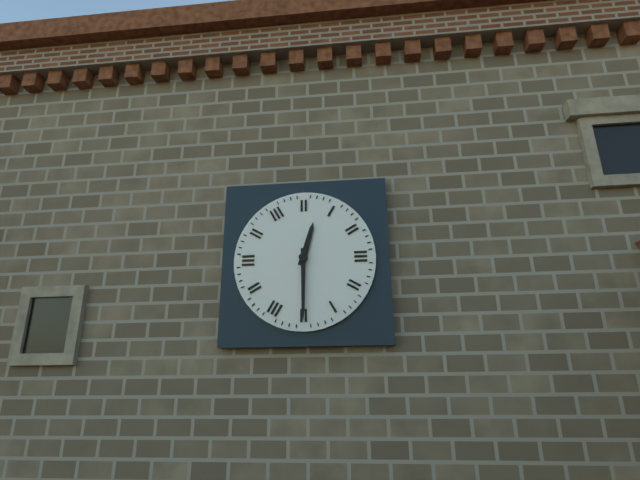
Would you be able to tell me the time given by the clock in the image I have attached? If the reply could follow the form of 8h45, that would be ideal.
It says 12h30
